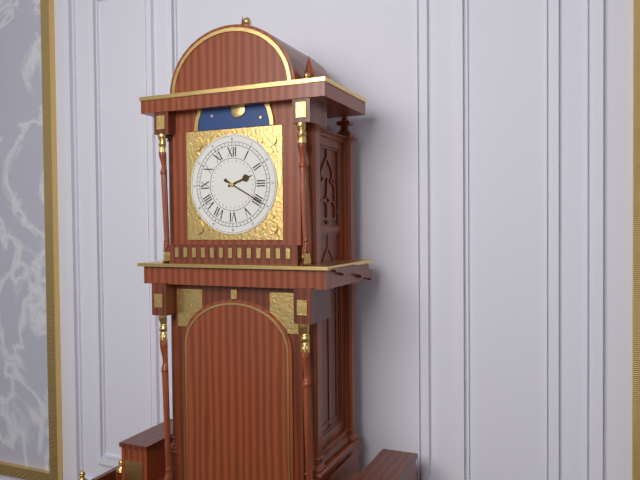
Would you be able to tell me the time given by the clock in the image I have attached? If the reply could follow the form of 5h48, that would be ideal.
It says 2h20
